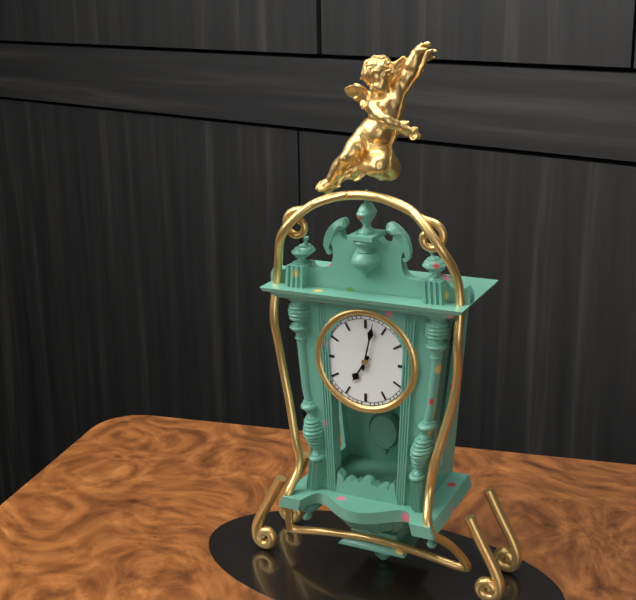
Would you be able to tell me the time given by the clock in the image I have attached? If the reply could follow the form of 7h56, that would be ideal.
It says 7h02
